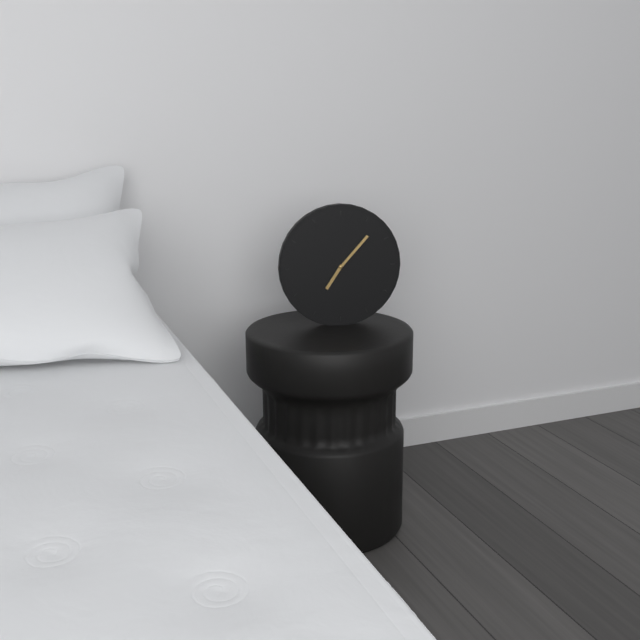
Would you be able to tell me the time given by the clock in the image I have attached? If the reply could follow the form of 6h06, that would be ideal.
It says 7h07
